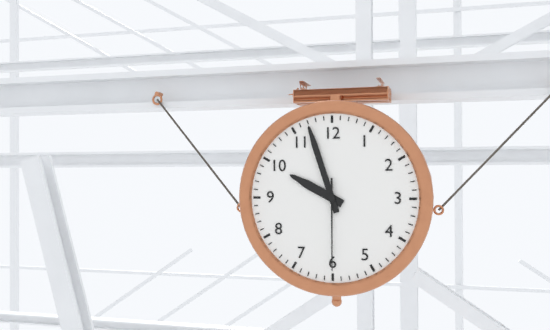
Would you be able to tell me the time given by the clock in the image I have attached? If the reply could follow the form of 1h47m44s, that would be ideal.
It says 9h57m30s
